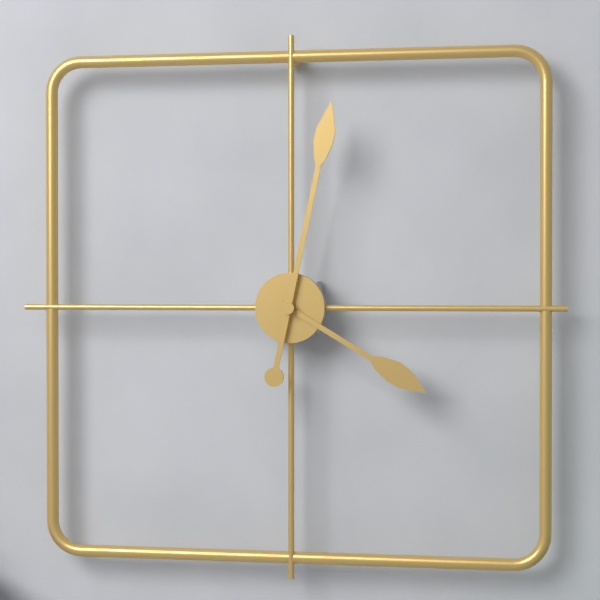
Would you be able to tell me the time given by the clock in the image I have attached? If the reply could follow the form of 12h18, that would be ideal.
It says 4h02
